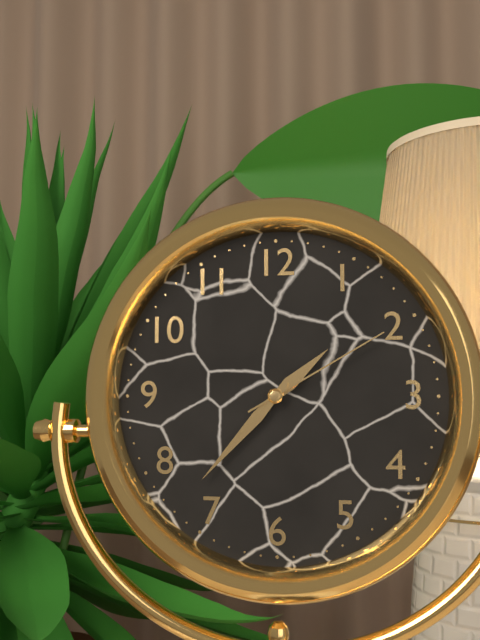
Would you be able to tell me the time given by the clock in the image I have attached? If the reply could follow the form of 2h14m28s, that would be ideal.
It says 1h37m10s
